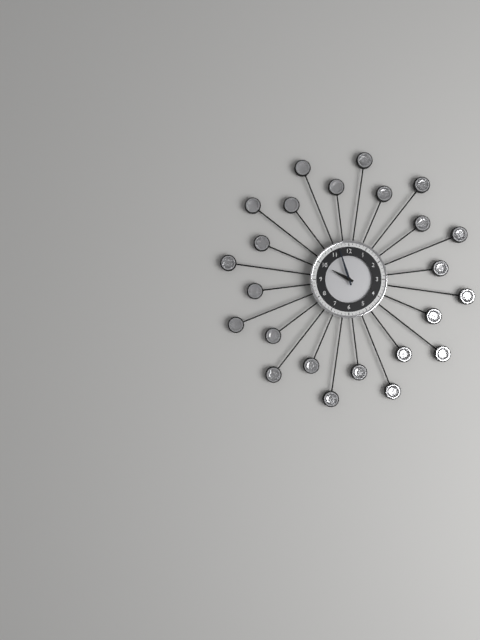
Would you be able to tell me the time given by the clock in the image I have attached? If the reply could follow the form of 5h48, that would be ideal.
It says 9h57
